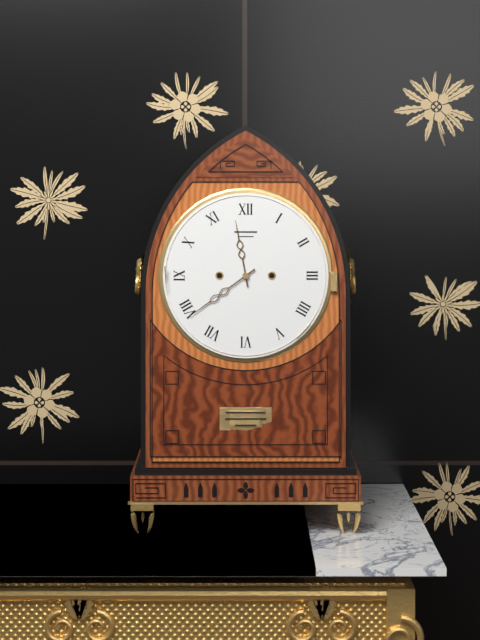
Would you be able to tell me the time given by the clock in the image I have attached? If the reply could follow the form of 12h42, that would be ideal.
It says 11h39
